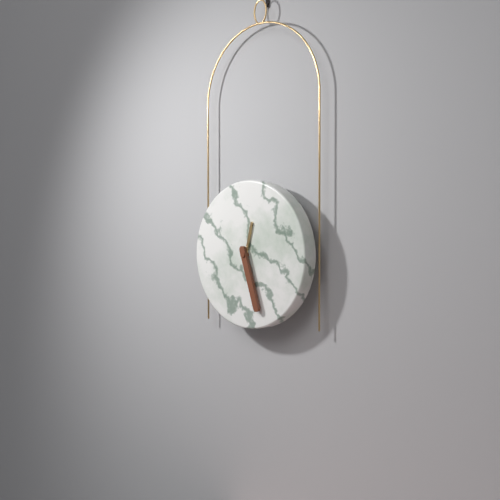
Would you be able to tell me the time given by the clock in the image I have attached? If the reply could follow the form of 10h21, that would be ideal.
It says 12h27
